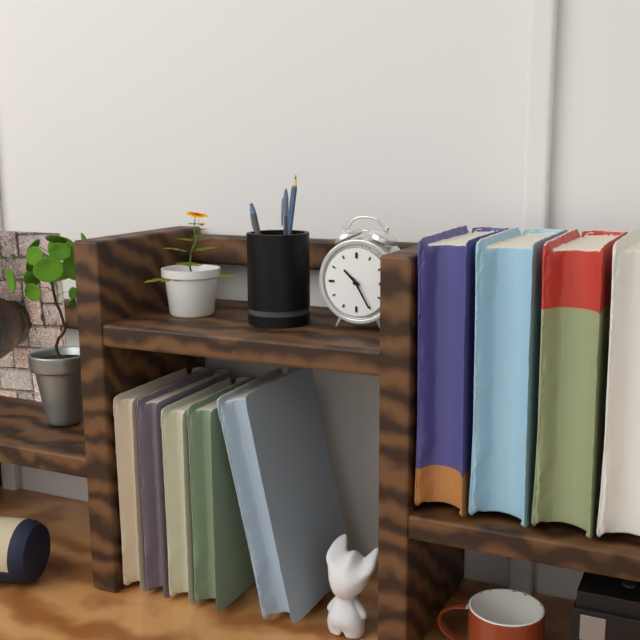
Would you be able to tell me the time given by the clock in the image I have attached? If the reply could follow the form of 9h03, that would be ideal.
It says 10h25
